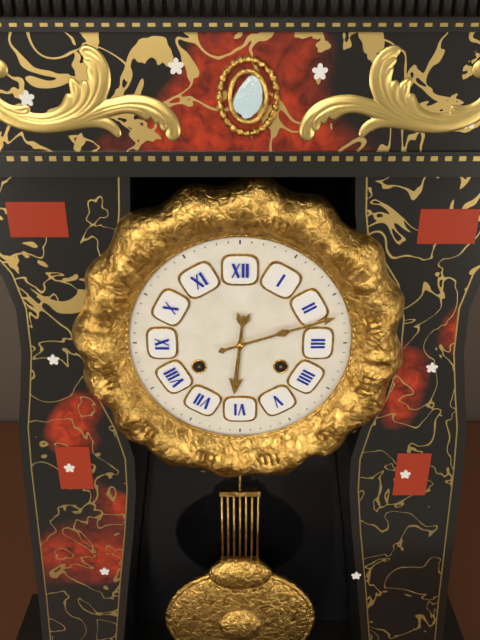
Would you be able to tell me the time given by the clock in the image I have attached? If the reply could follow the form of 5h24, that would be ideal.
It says 6h12
